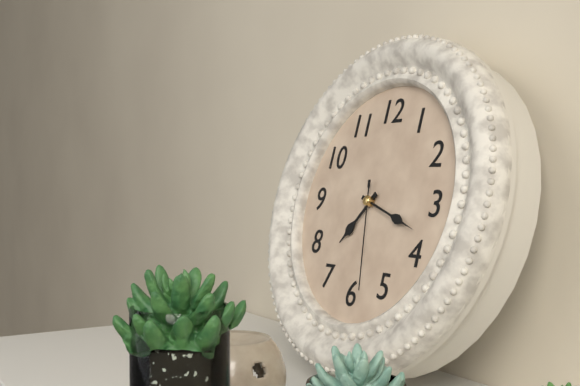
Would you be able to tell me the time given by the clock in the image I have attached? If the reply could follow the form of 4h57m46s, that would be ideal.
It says 7h18m28s
